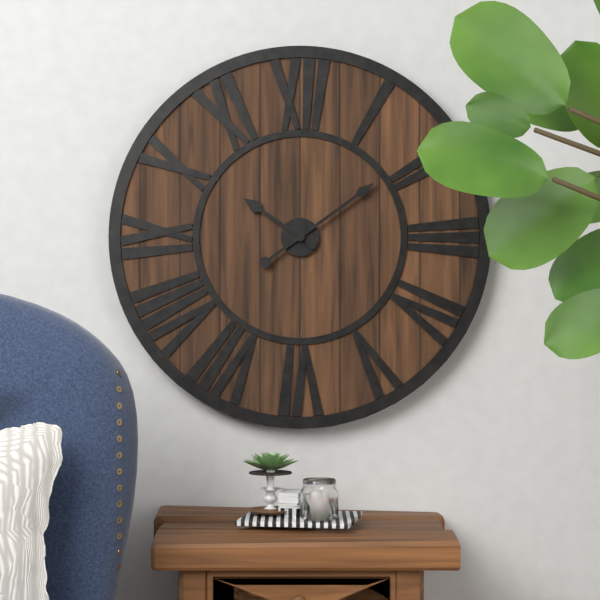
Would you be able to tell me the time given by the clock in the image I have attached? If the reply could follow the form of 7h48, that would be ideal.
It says 10h09
